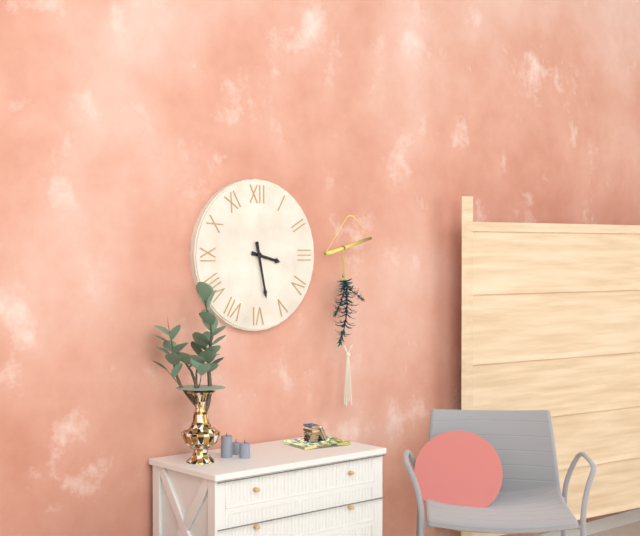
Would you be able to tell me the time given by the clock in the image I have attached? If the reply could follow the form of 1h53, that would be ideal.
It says 3h28
